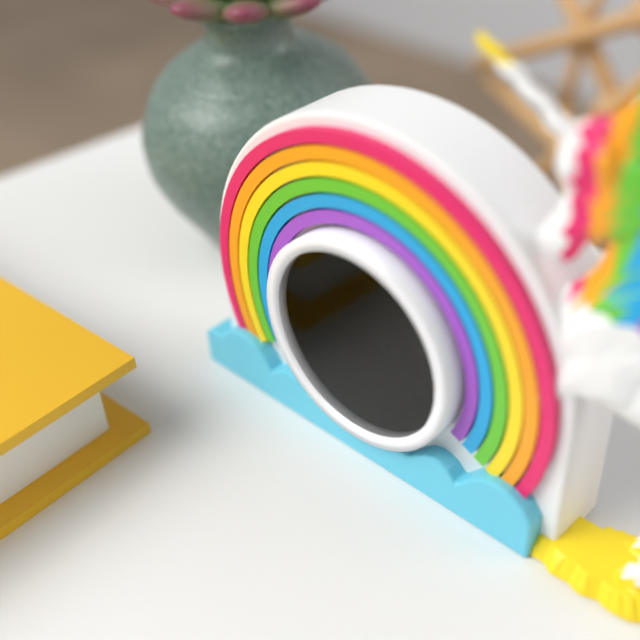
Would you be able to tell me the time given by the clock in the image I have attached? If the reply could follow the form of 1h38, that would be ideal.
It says 4h31
